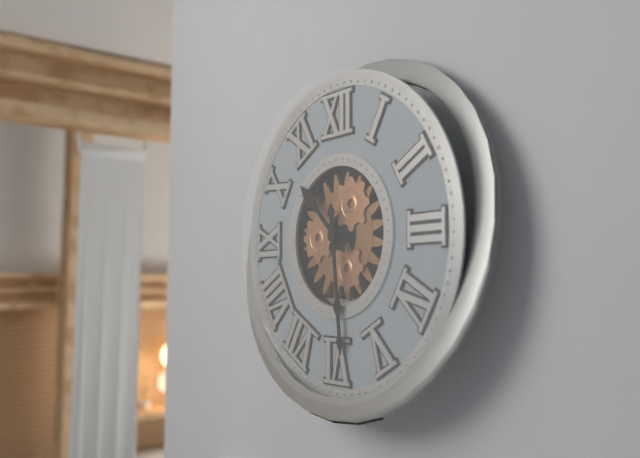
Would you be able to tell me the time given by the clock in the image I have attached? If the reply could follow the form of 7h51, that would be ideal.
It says 10h29
